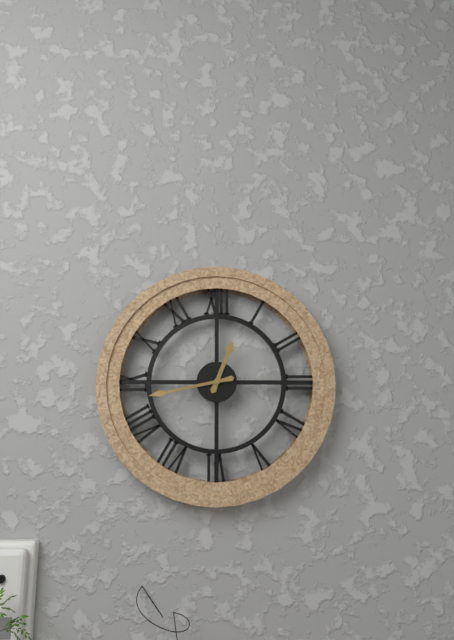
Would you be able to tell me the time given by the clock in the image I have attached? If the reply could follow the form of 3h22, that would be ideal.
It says 12h43
